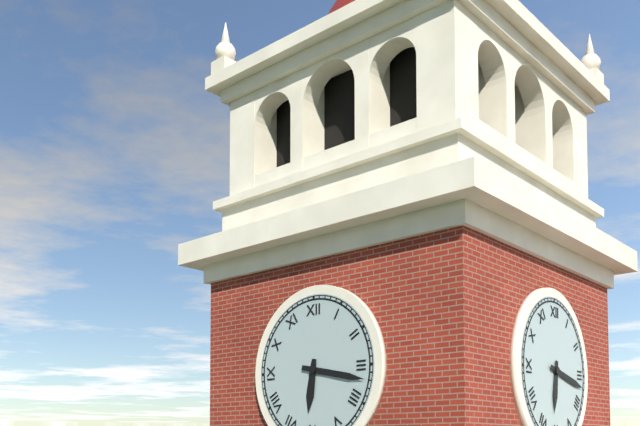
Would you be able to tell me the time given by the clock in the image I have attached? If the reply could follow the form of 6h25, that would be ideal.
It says 6h17
